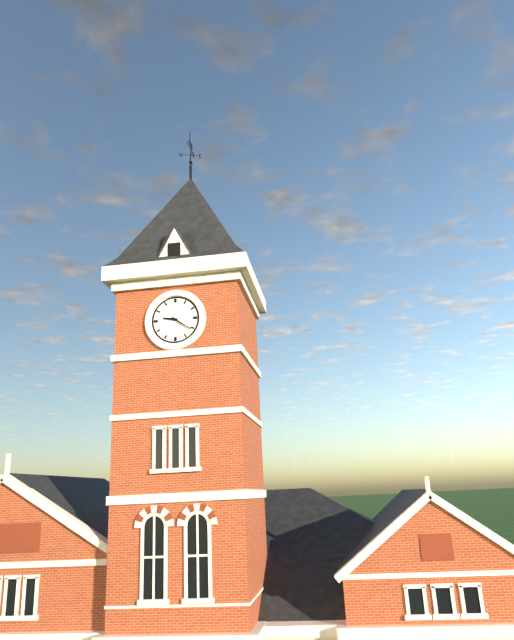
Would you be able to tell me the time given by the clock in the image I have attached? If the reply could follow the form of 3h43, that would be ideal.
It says 9h21
